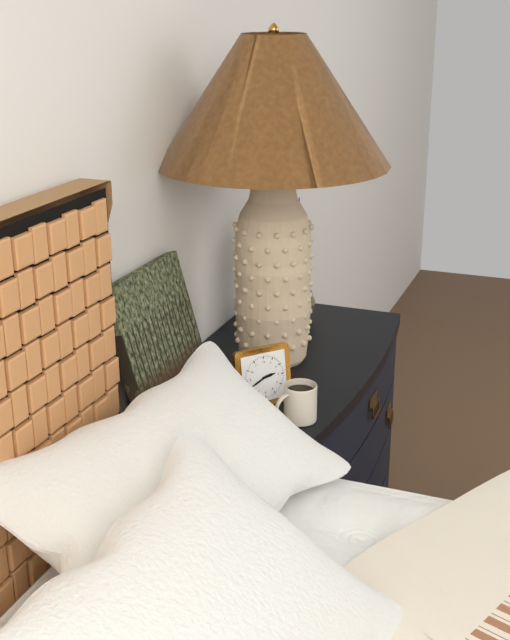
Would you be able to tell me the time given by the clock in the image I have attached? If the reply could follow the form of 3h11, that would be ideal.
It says 2h41
